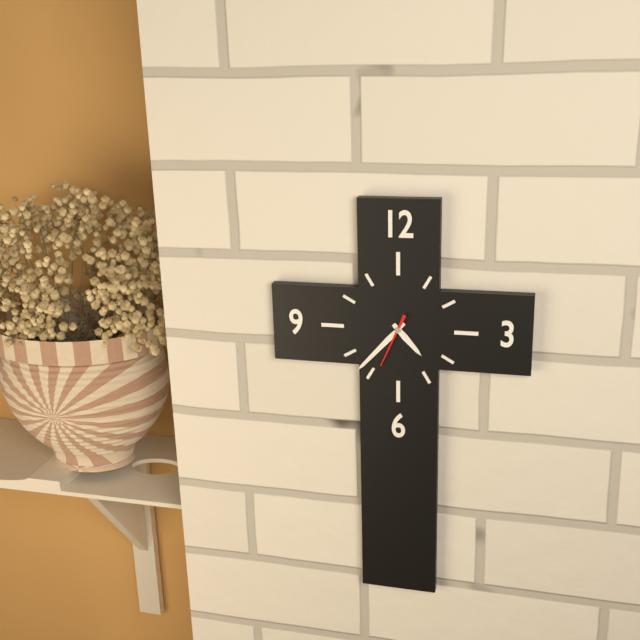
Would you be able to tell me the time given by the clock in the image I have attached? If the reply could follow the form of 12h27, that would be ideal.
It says 4h37
